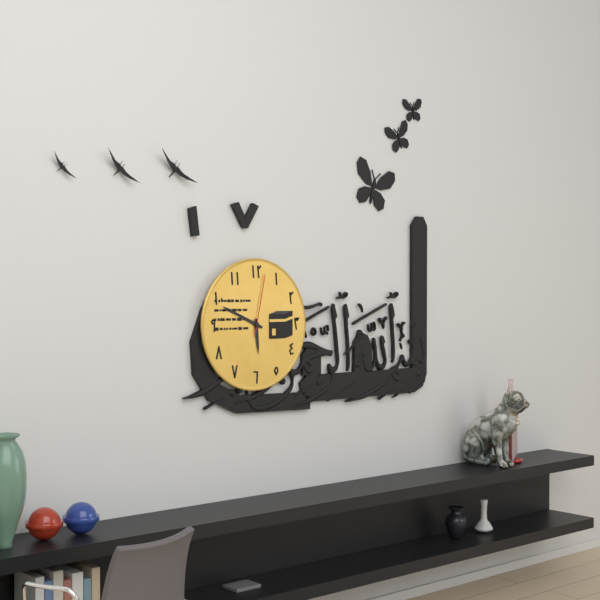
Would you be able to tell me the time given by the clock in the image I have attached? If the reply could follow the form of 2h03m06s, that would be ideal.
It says 5h49m02s
